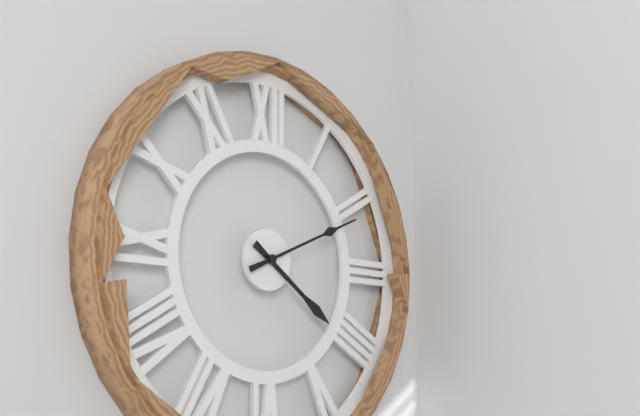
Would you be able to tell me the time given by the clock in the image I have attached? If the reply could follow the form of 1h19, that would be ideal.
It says 4h11
